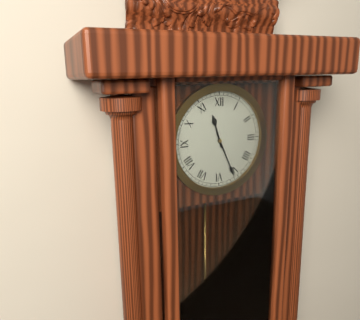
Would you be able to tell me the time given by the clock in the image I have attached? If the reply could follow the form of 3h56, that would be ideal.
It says 11h26
